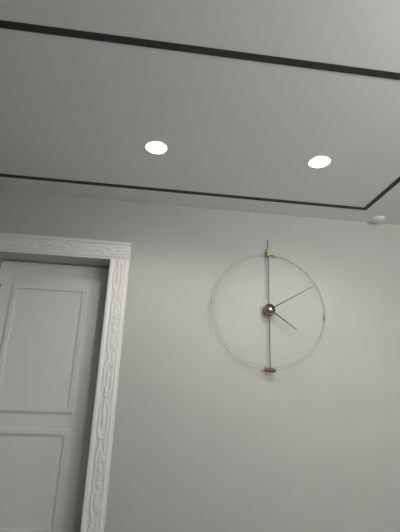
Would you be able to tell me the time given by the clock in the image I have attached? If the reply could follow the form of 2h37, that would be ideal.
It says 4h10
